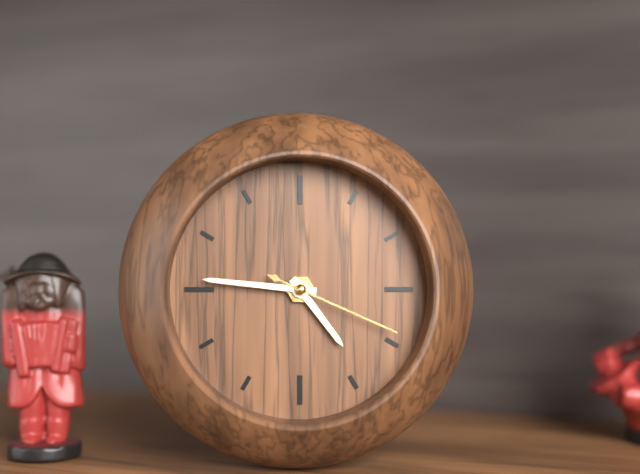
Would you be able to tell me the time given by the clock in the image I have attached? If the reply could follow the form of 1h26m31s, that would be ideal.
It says 4h46m19s
